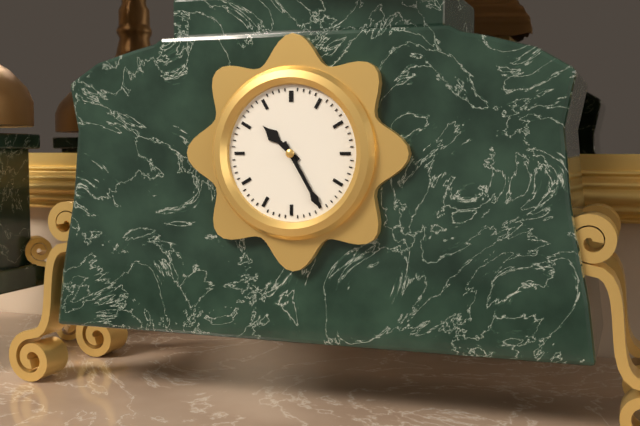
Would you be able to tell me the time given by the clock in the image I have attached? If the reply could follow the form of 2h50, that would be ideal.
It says 10h25
